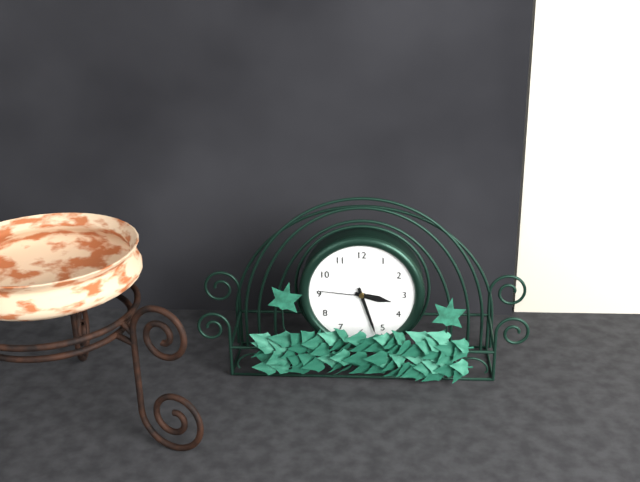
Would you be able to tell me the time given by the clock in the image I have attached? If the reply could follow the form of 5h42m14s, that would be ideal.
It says 3h27m46s
